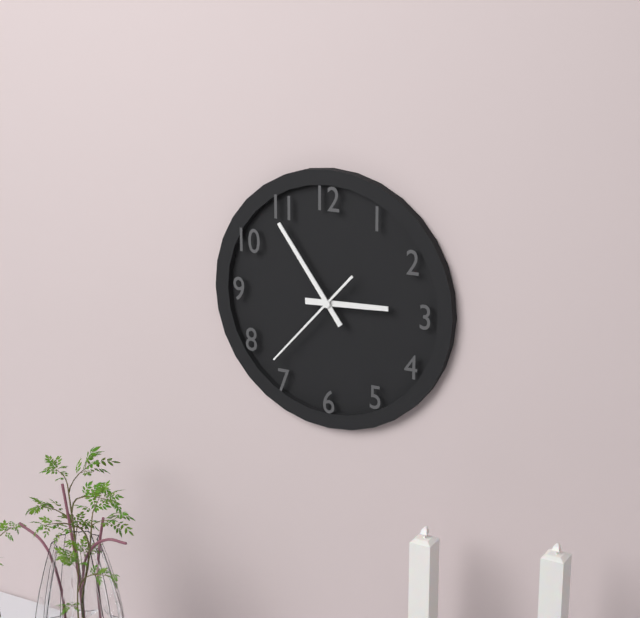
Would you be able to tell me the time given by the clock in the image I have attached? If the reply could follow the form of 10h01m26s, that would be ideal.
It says 2h54m37s
